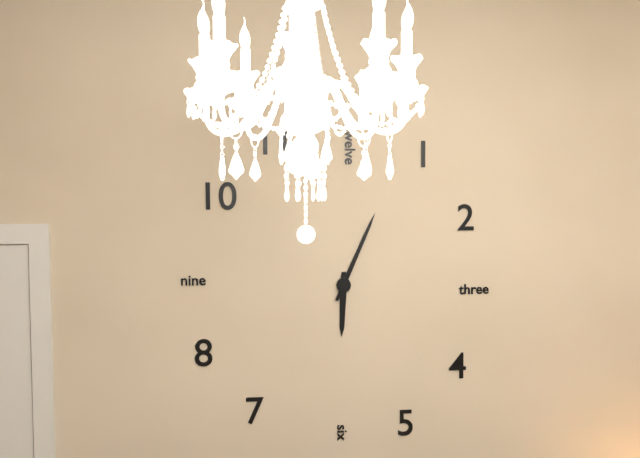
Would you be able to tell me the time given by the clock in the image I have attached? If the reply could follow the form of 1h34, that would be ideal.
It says 6h04
